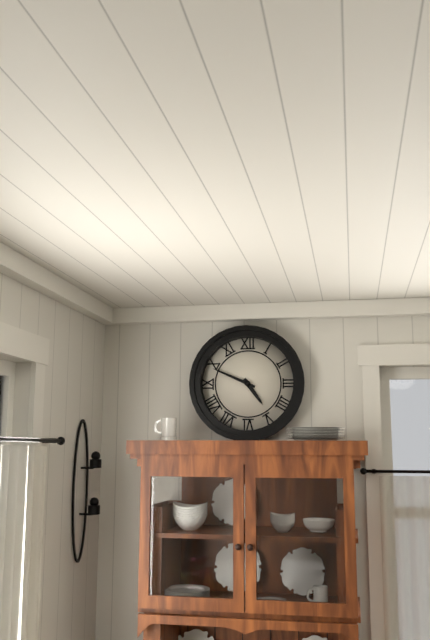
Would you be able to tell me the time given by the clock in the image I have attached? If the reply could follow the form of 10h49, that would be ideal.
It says 4h49
